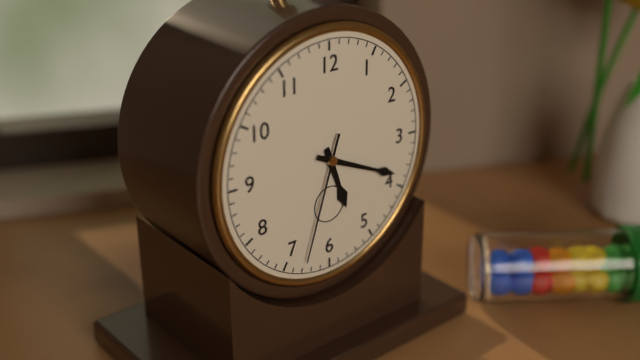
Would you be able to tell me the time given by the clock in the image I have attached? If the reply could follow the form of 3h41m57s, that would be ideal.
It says 5h19m33s
